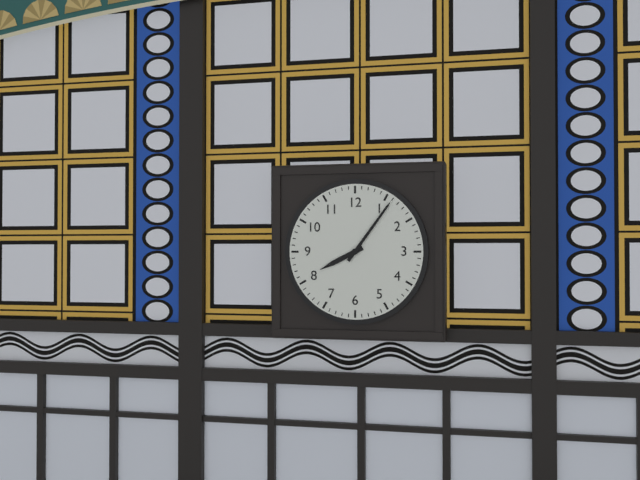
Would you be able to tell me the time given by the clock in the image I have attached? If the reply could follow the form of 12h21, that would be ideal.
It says 8h06
